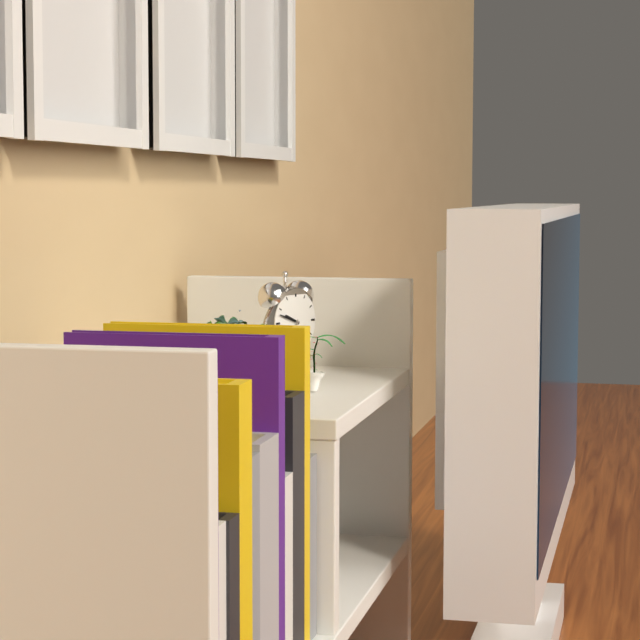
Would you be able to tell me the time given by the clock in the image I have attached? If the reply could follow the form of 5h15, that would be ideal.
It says 9h48
